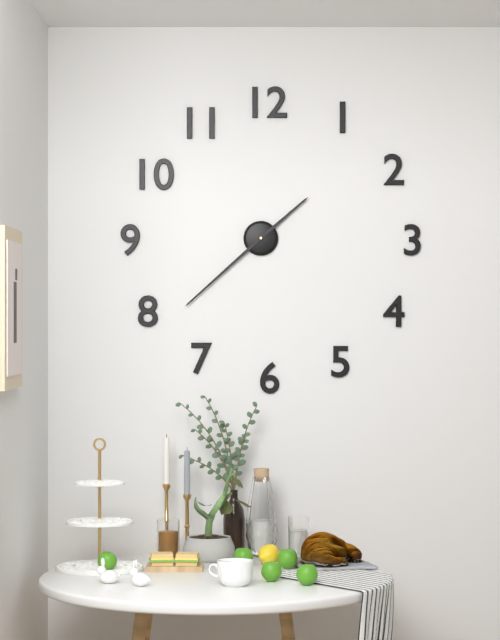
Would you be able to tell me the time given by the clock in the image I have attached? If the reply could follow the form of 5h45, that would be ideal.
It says 1h38
